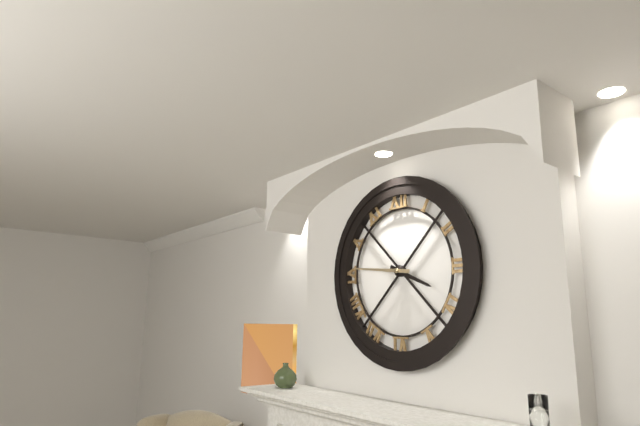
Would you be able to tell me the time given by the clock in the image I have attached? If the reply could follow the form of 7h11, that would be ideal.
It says 3h46
